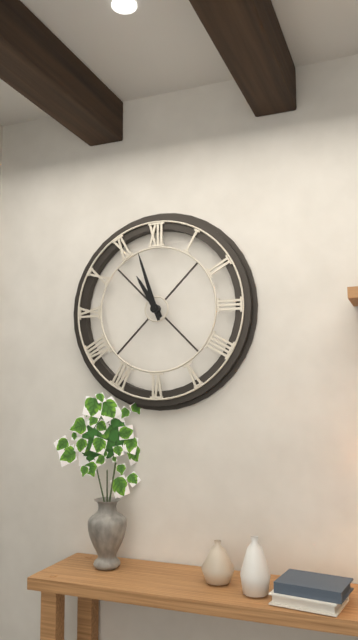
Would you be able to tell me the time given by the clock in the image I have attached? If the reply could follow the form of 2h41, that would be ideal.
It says 10h57
